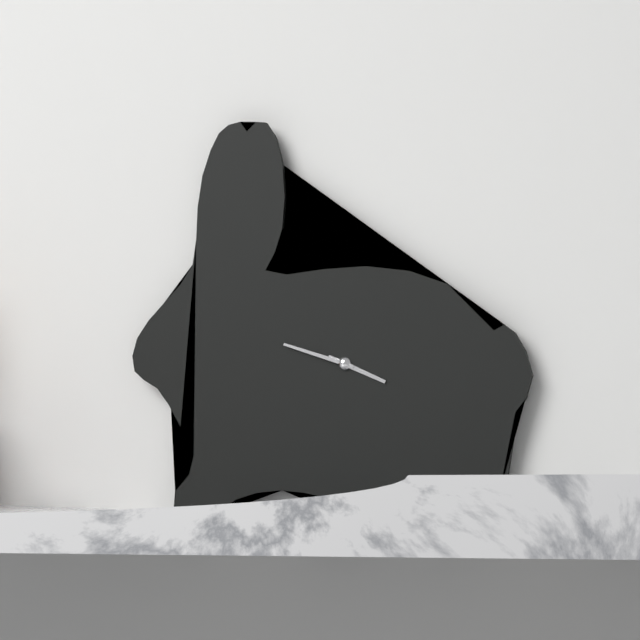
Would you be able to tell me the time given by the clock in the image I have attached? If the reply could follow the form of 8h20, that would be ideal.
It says 3h48
